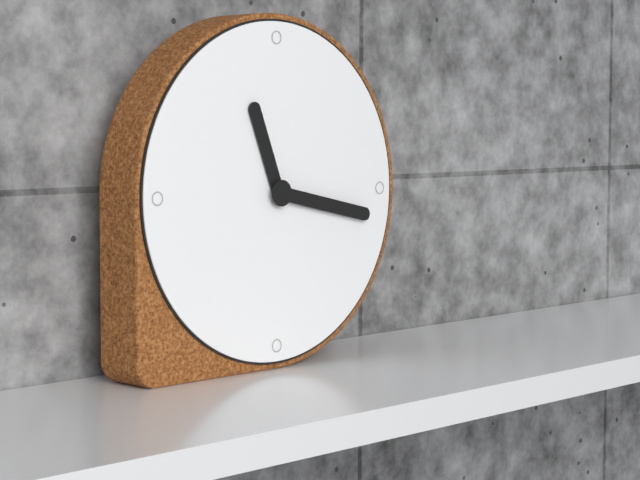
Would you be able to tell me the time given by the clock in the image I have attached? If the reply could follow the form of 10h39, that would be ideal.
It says 11h17
